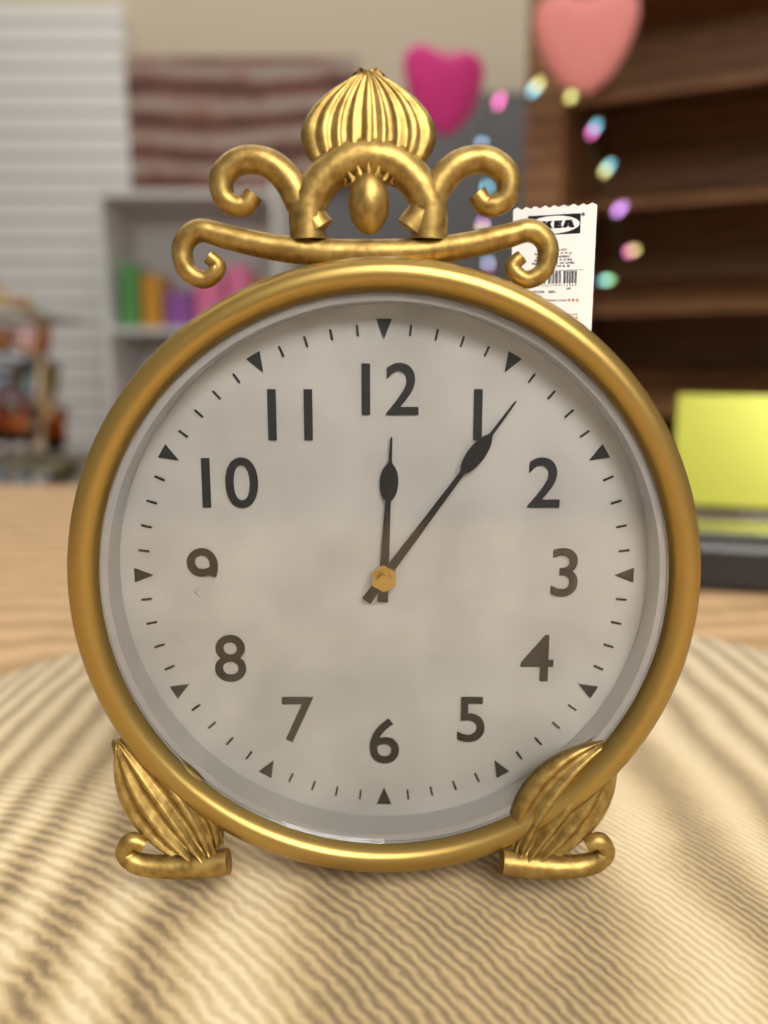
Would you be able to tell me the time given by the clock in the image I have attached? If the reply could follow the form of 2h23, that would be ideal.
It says 12h06
